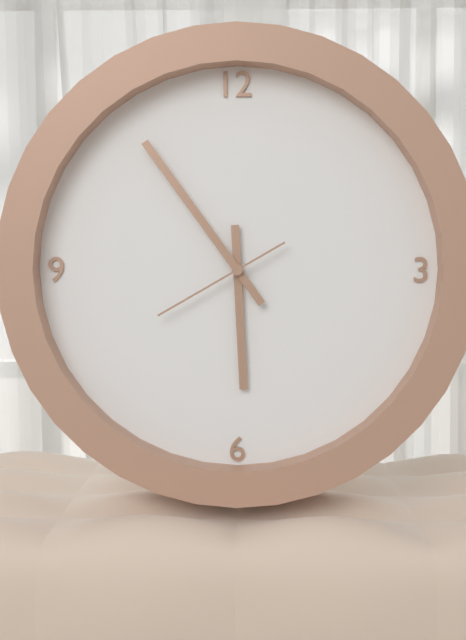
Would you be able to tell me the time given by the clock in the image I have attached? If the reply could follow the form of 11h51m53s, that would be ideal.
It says 5h54m40s
